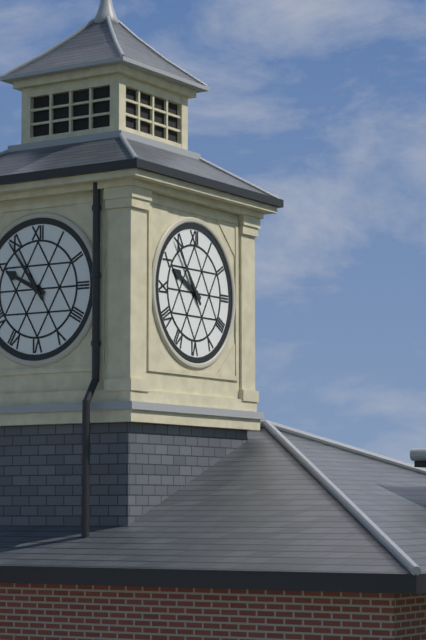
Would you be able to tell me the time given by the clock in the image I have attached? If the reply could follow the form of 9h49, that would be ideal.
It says 9h54
